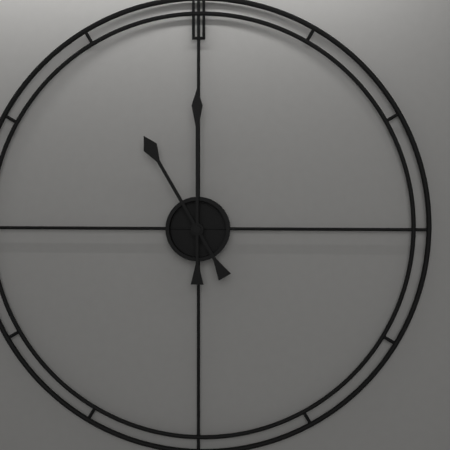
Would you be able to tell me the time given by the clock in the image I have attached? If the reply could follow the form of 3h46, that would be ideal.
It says 11h00
